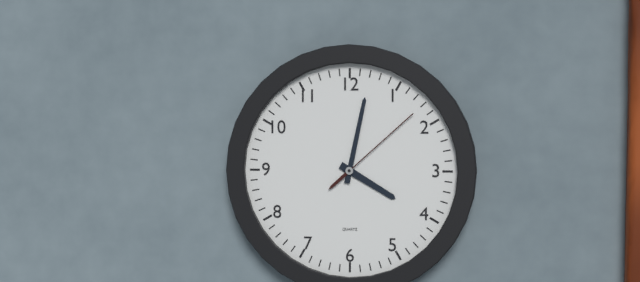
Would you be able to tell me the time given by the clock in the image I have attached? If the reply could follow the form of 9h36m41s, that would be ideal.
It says 4h02m08s
